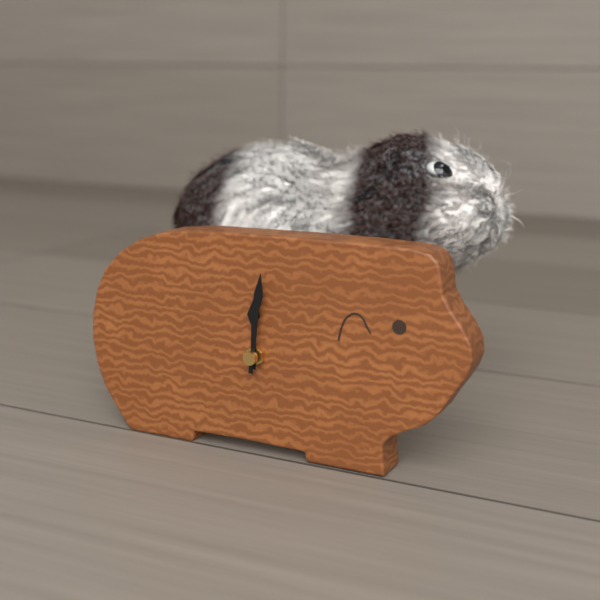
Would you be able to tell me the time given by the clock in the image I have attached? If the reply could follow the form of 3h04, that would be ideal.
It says 12h01
